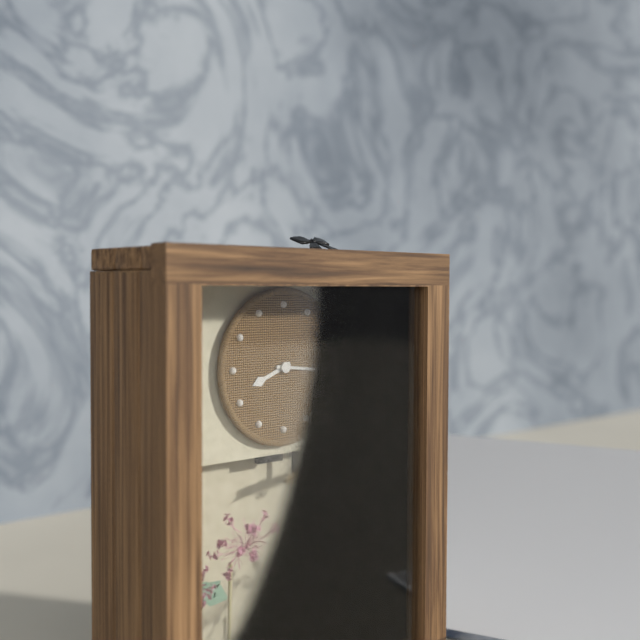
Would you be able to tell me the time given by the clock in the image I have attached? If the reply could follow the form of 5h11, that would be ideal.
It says 8h16
